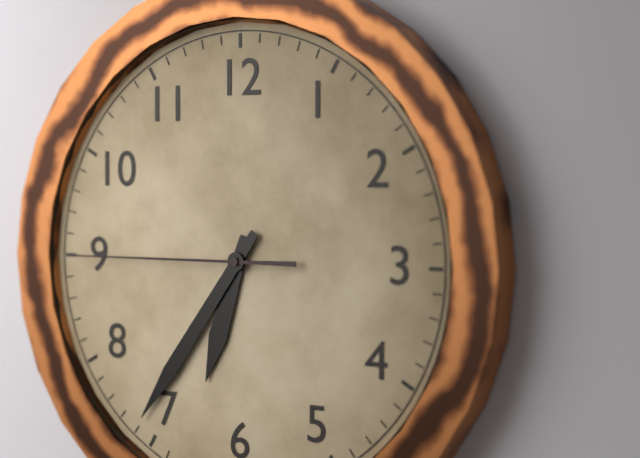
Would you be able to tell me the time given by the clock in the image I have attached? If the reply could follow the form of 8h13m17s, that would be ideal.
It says 6h36m45s
